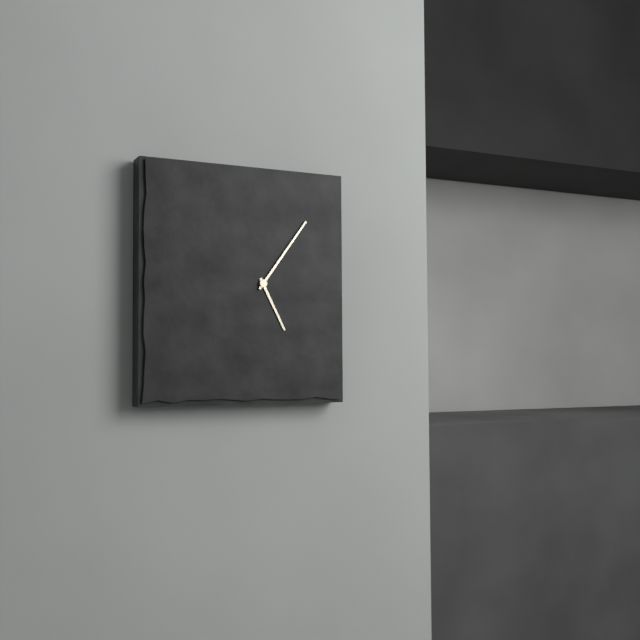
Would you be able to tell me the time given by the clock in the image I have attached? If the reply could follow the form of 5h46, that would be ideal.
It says 5h06
